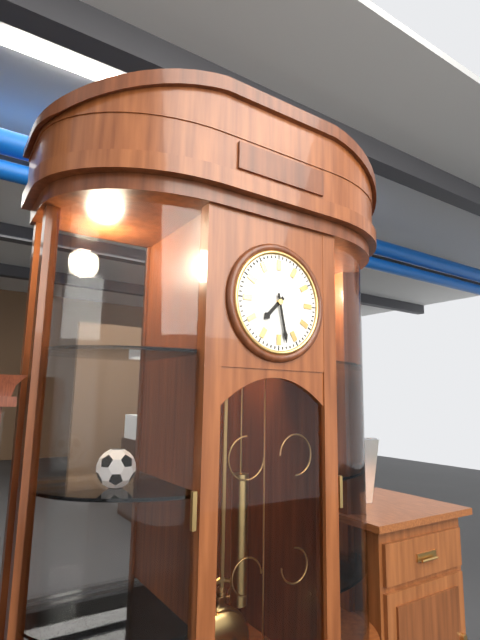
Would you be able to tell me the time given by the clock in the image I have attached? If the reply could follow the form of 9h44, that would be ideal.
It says 7h28
